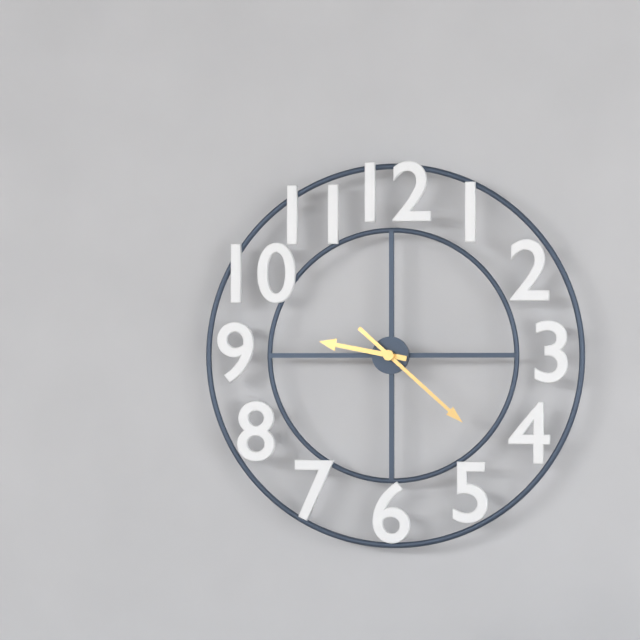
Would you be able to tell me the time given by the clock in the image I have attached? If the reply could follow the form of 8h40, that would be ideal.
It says 9h22
